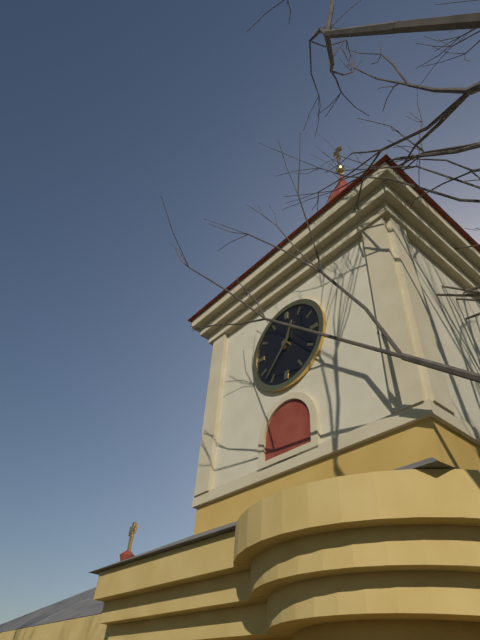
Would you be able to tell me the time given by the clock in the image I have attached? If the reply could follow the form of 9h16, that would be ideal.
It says 12h37
